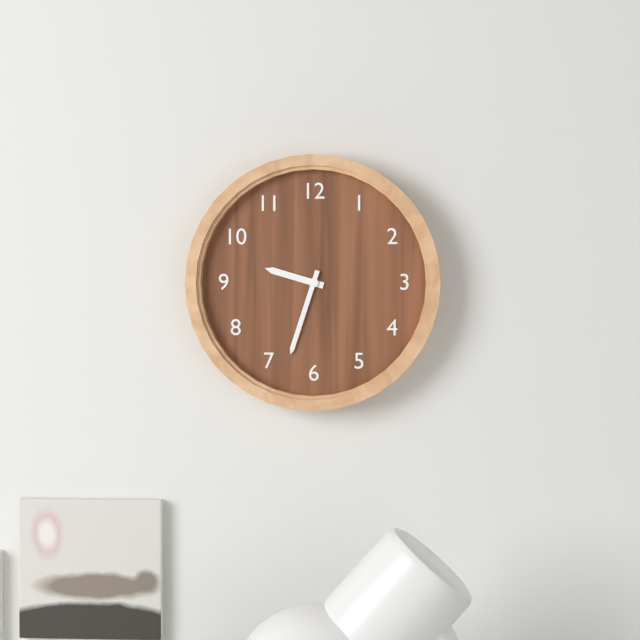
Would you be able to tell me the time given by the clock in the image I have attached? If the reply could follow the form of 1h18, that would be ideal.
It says 9h33
